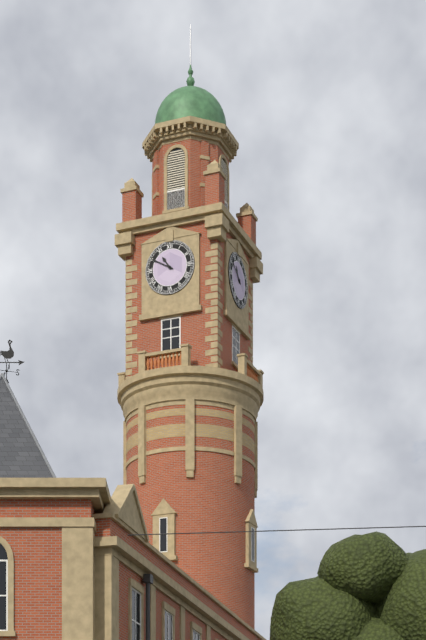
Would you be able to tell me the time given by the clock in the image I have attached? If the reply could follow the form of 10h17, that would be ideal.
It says 10h50
